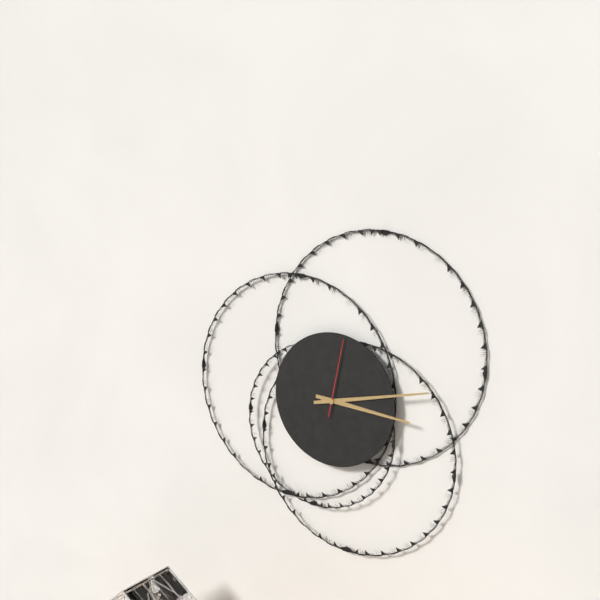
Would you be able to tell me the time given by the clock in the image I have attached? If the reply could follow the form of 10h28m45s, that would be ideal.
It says 3h13m02s
